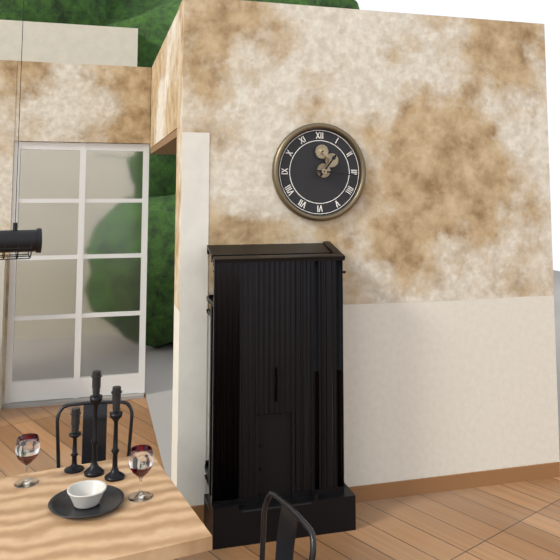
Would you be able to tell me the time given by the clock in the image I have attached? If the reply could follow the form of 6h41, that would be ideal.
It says 1h16
